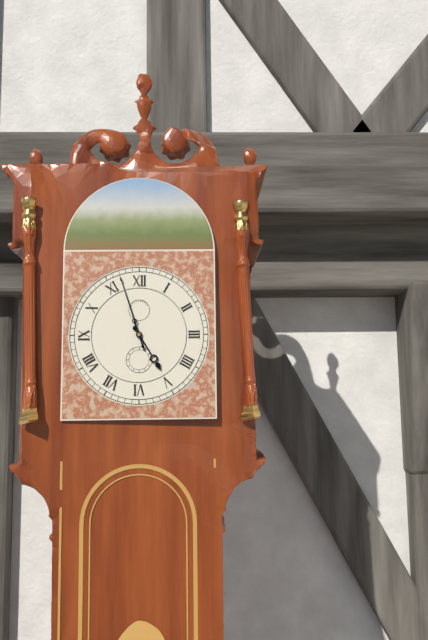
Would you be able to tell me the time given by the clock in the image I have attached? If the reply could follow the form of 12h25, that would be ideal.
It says 4h57
